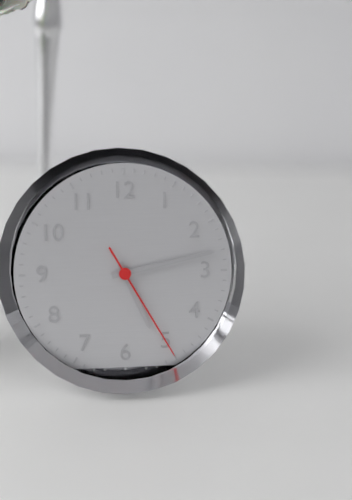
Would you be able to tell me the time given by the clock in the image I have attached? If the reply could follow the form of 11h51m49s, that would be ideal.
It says 5h13m25s
